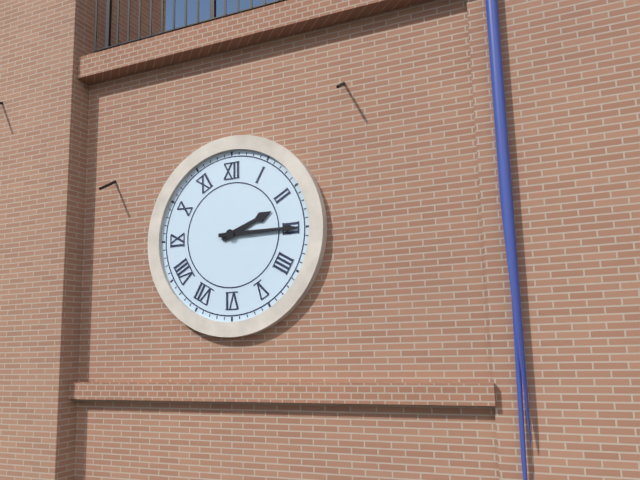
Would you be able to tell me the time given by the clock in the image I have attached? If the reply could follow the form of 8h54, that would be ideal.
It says 2h15
